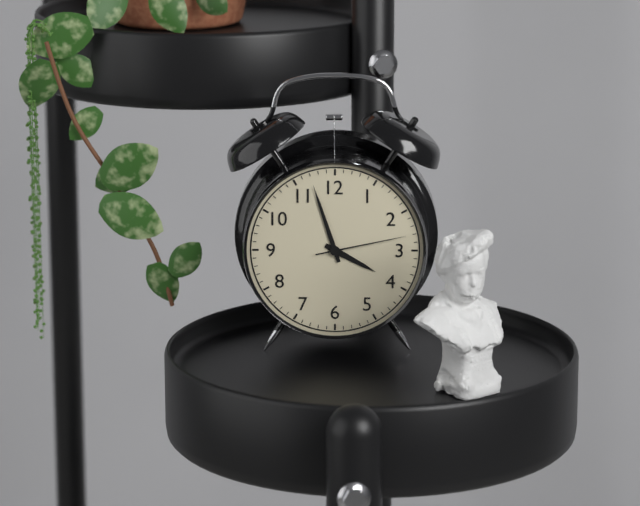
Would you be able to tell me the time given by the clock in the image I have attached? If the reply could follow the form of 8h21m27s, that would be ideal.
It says 3h57m13s
